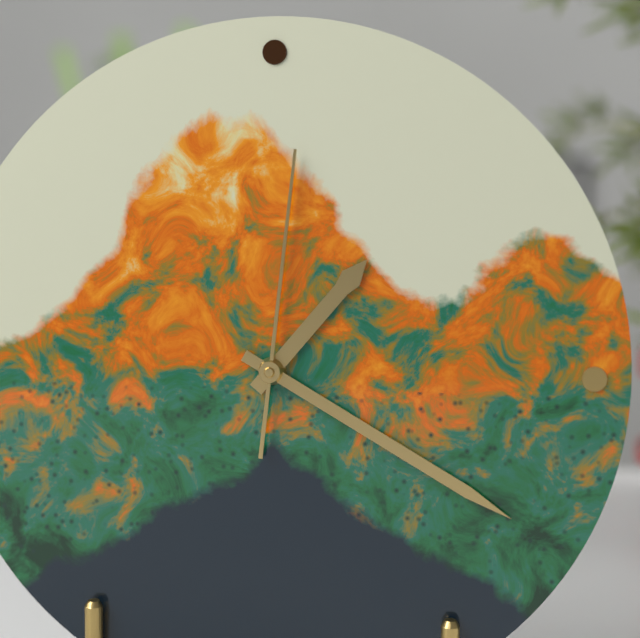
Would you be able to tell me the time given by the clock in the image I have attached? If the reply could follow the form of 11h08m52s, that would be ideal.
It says 1h20m01s
